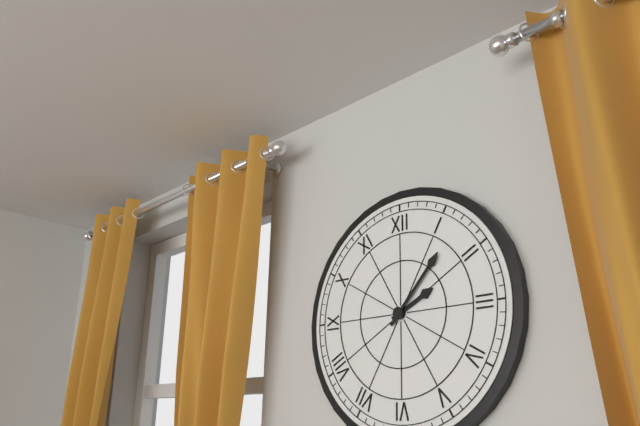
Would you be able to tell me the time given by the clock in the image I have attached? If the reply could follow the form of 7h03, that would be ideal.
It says 2h07
